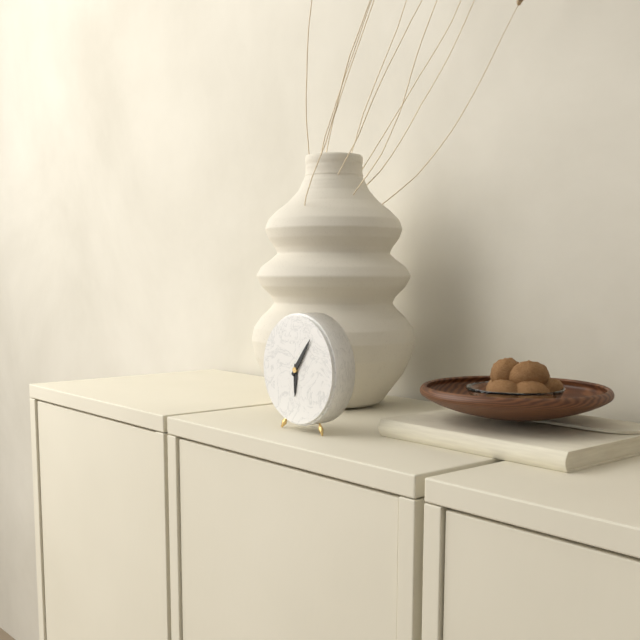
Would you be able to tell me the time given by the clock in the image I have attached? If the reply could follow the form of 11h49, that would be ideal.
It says 6h06
